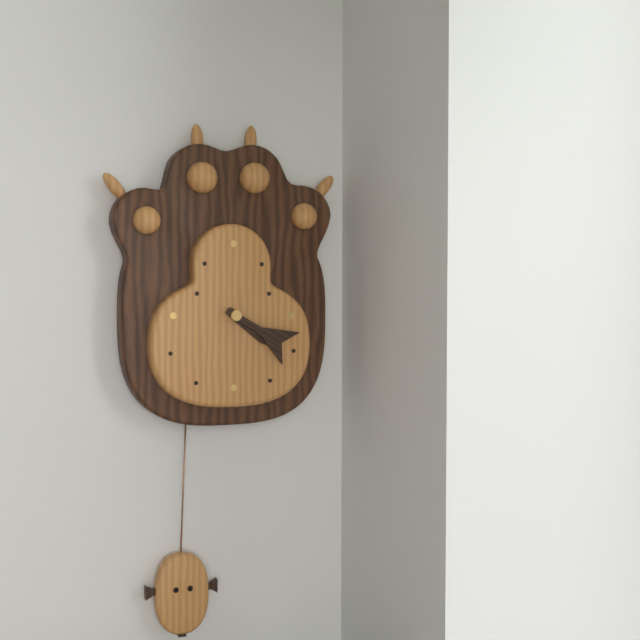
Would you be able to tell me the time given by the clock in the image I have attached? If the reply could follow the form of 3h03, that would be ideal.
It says 4h20
